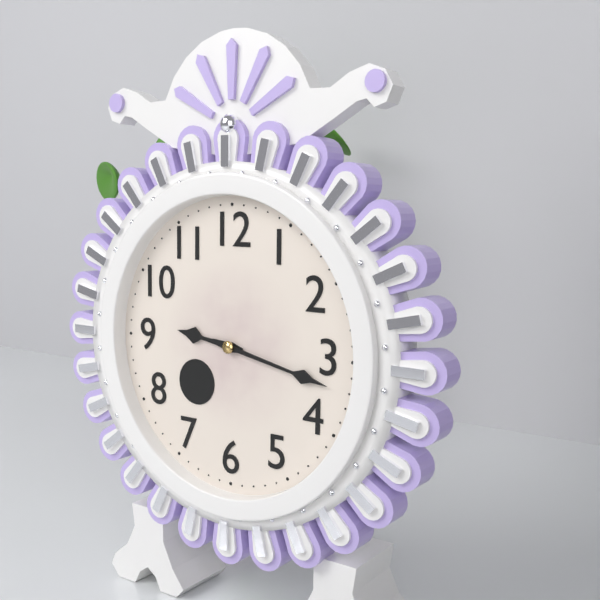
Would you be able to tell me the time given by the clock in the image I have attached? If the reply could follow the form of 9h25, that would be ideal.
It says 9h17
